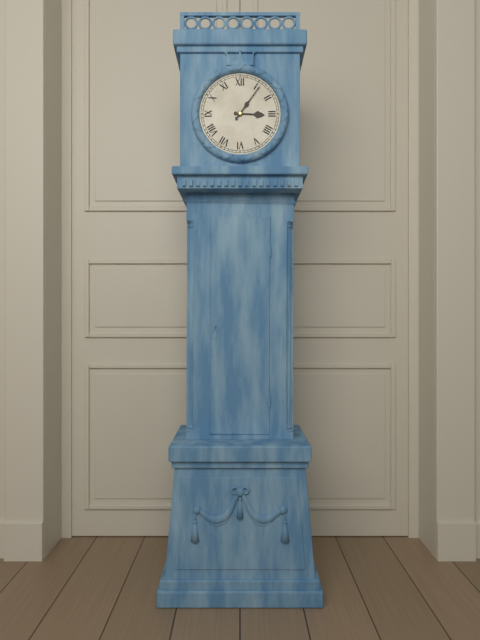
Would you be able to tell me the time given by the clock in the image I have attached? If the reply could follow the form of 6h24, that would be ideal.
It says 3h06
